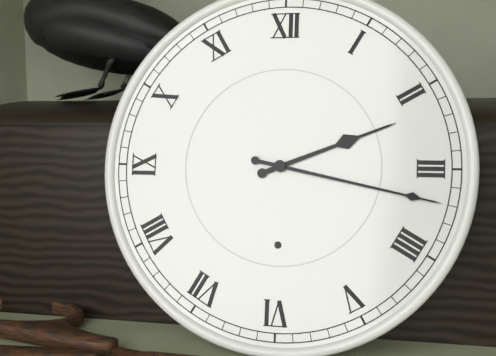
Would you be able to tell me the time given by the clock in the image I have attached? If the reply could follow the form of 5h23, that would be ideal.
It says 2h17
